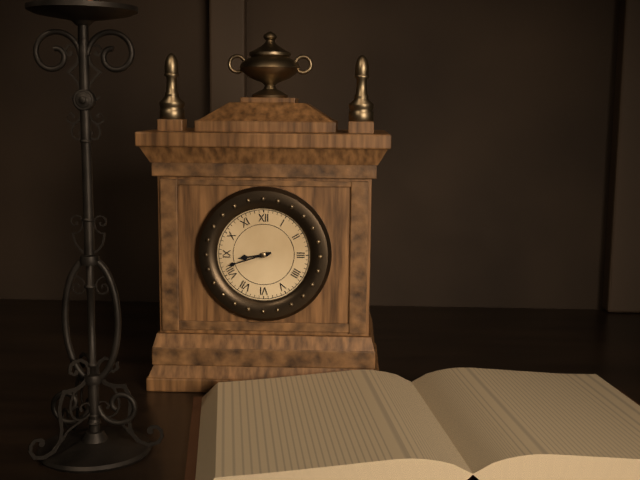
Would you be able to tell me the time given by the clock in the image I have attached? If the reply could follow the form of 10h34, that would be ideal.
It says 8h42
